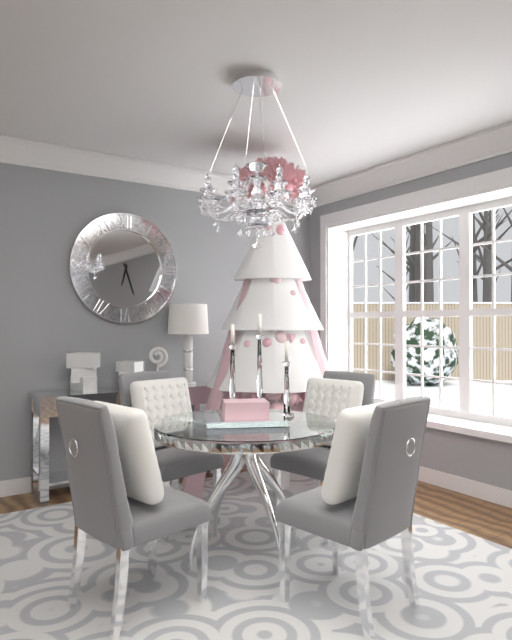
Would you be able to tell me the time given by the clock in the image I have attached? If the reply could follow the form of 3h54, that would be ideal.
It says 6h27
